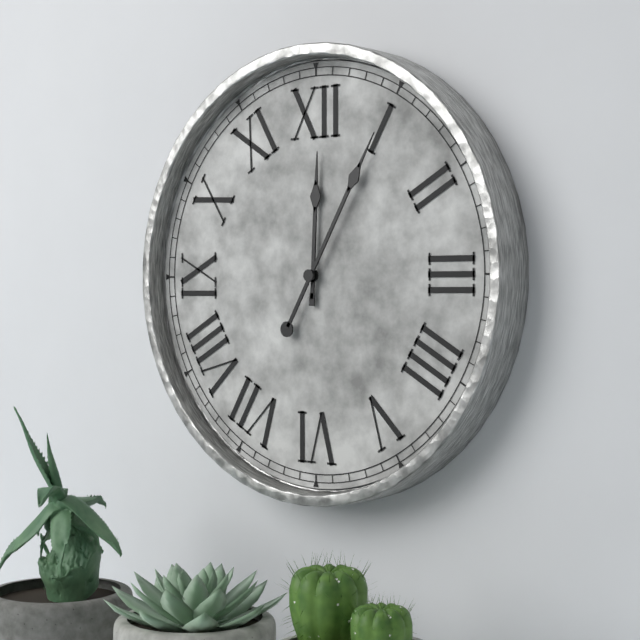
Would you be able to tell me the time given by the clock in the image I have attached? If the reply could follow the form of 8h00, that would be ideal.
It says 12h05
